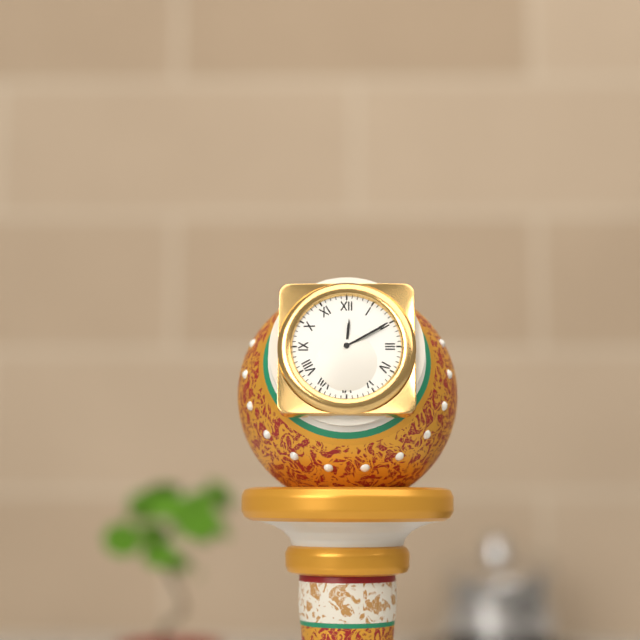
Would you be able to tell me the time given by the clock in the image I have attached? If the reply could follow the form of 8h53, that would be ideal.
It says 12h10
